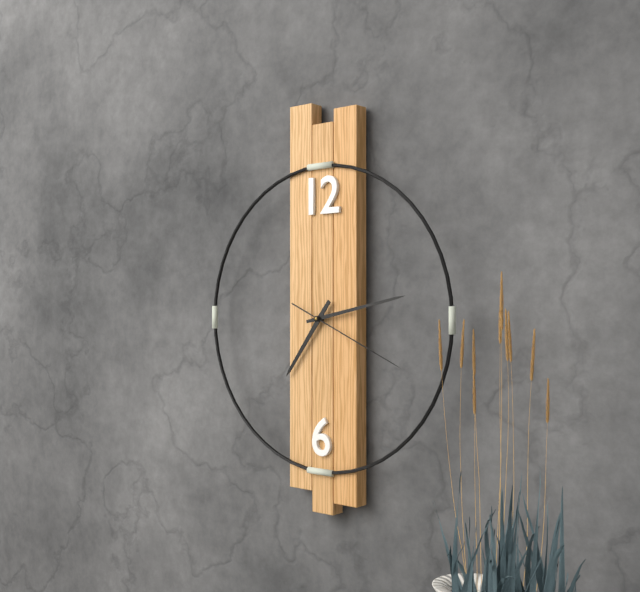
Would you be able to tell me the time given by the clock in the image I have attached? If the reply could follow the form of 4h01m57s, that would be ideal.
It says 7h13m19s
